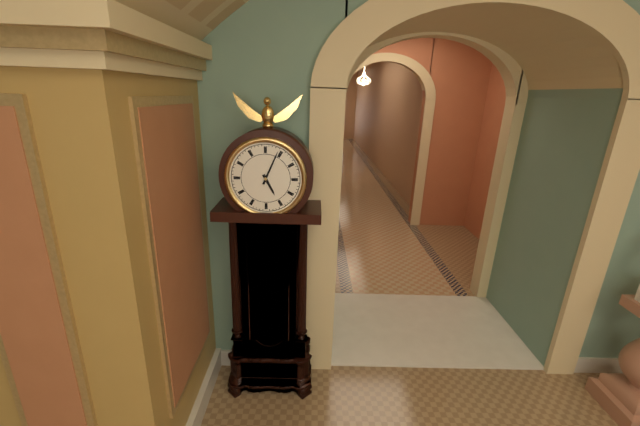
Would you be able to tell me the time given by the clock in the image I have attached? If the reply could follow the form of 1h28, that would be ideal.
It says 5h04
